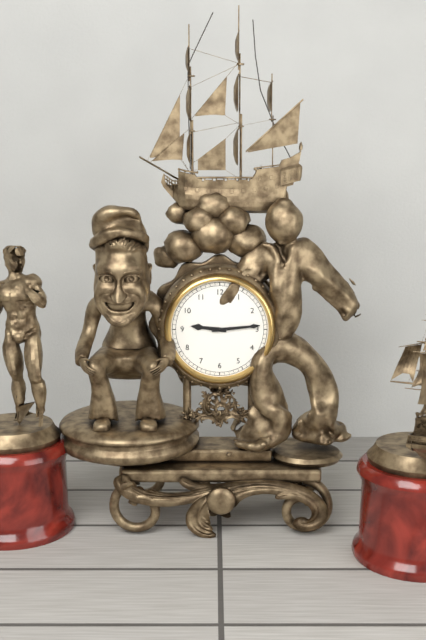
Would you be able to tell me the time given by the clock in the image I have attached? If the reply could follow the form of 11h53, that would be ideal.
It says 9h14
